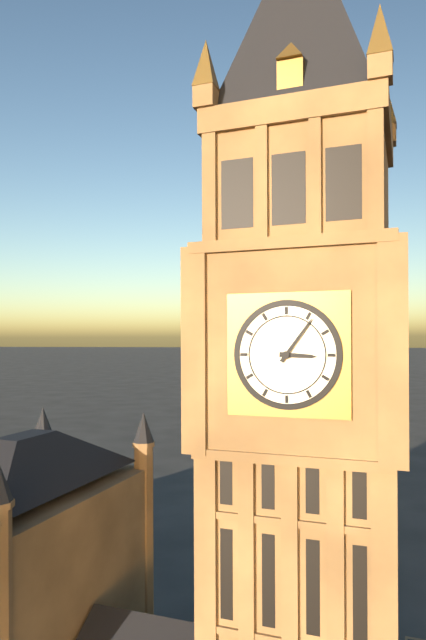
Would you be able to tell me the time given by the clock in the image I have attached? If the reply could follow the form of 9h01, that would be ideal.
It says 3h06
